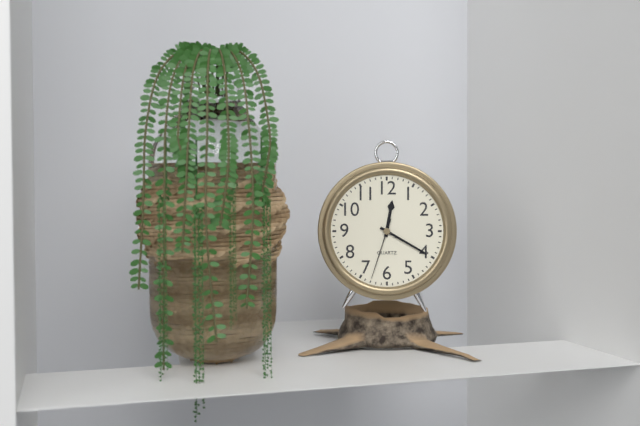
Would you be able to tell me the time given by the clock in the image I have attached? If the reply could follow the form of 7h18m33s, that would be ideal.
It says 12h20m33s
